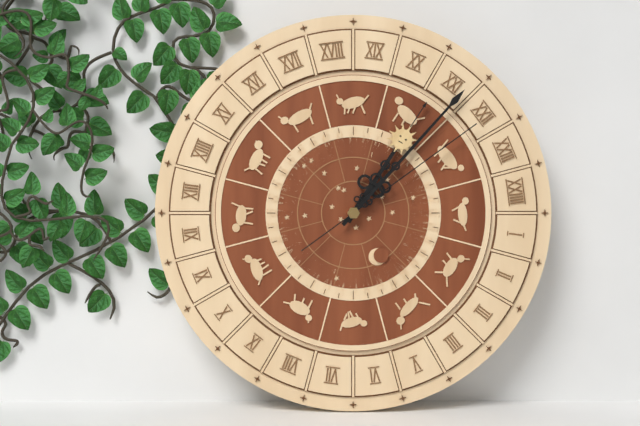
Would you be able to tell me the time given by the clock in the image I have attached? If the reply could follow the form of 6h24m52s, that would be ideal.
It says 1h07m09s
